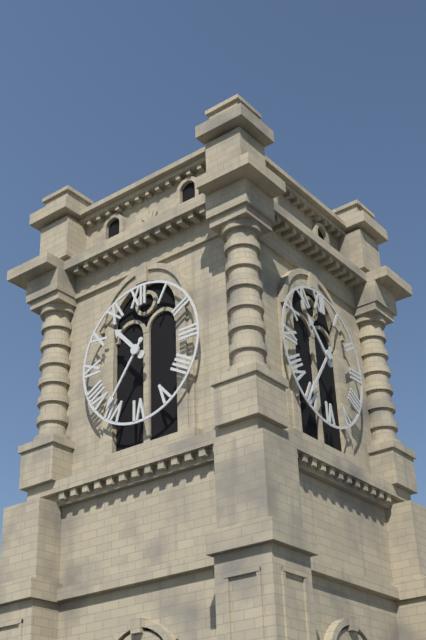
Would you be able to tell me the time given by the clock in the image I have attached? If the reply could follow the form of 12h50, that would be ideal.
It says 10h36
